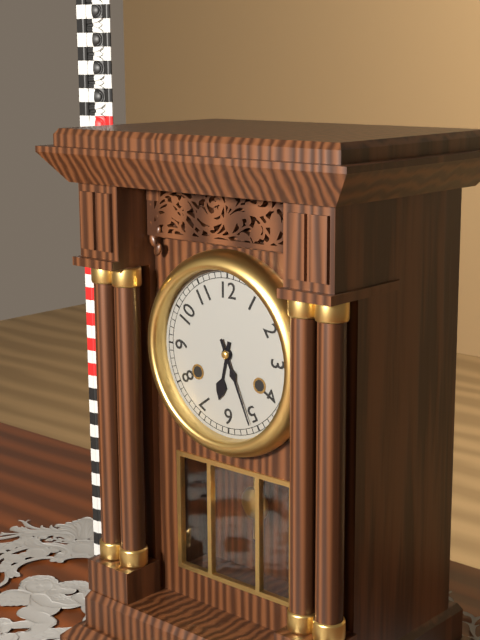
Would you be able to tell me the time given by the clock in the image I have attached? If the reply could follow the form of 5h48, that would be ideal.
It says 6h26
